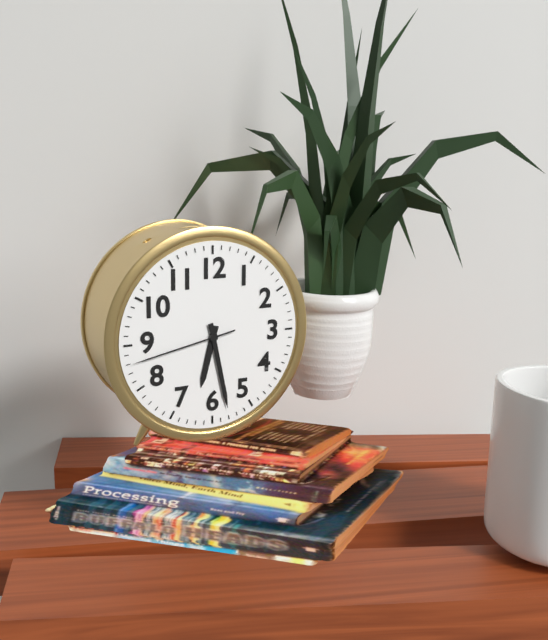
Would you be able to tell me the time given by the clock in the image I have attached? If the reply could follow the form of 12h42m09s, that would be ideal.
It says 6h28m43s
